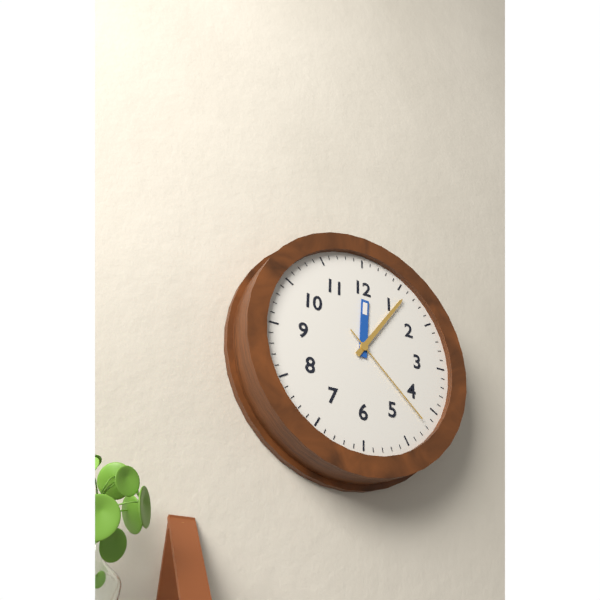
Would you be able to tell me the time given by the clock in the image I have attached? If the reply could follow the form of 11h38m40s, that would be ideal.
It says 12h06m22s
